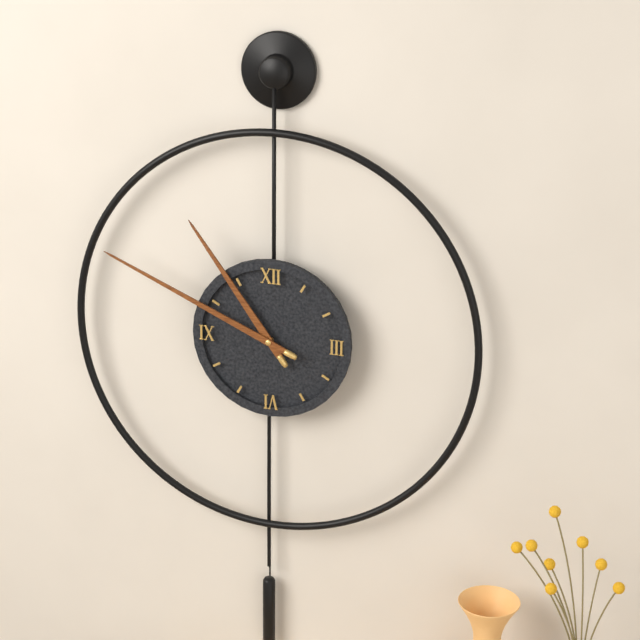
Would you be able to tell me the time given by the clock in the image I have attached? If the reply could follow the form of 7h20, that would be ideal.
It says 10h49
